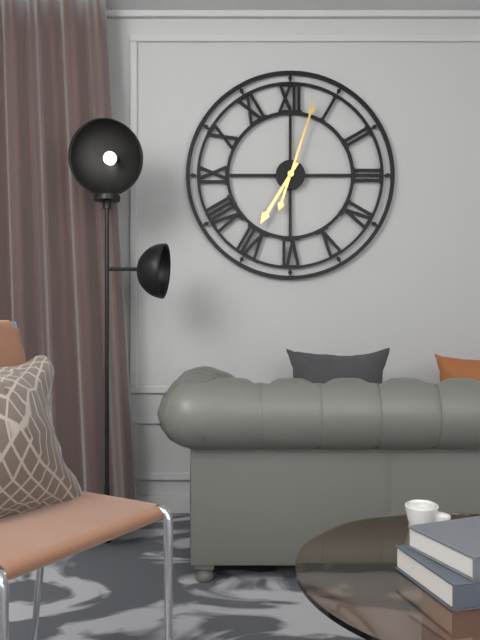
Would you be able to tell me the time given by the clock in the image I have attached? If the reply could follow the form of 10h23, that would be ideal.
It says 7h03
